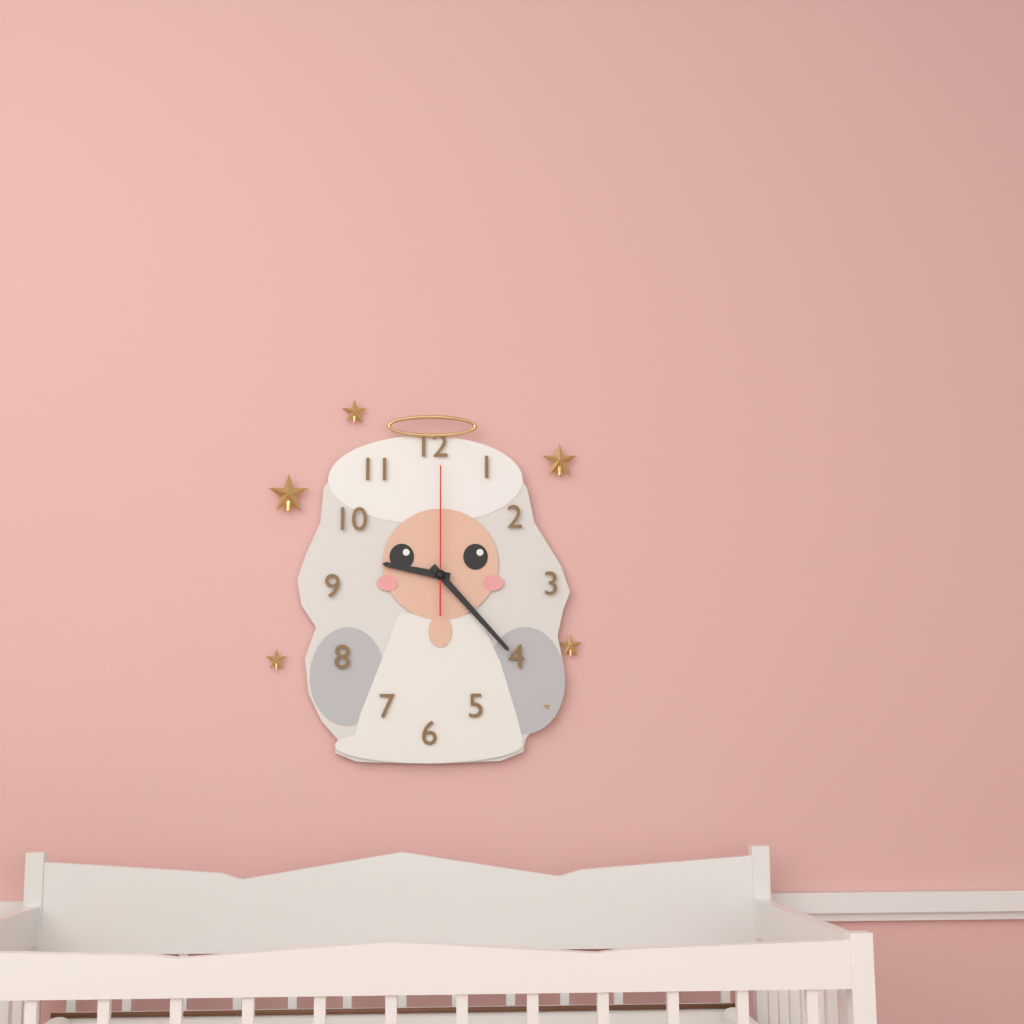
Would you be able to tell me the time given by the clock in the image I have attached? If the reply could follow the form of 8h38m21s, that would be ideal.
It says 9h23m00s
